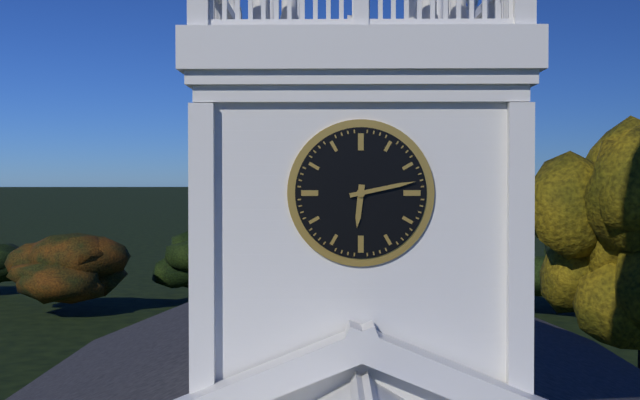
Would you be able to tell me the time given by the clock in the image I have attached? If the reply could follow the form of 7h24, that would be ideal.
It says 6h13
